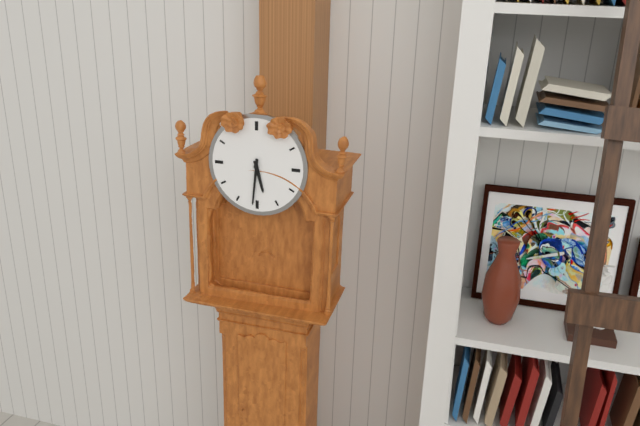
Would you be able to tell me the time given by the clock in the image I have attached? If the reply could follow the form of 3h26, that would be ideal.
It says 5h31
